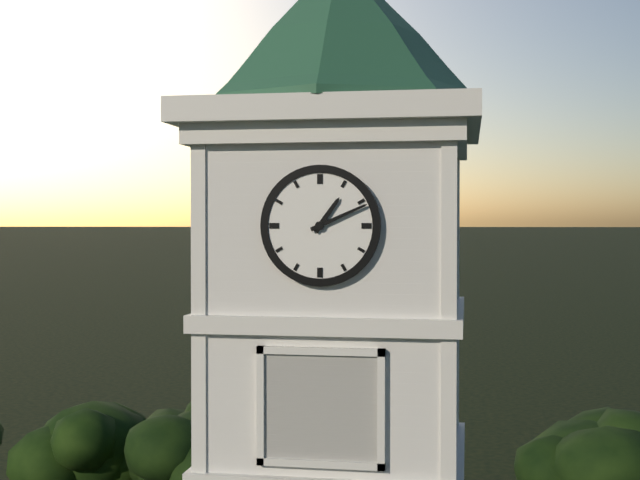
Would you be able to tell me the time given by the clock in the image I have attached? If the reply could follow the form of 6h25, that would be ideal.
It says 1h11
